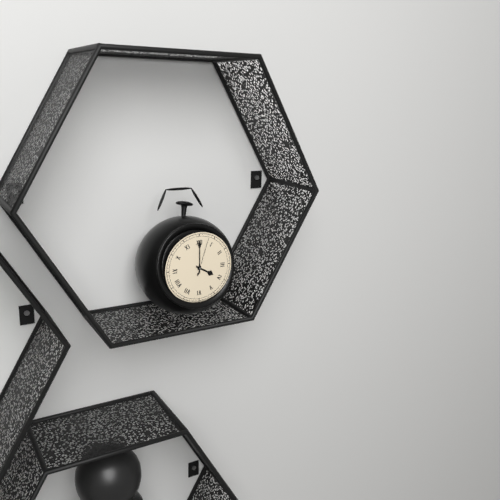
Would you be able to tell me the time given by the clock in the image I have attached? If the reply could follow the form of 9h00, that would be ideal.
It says 4h00
